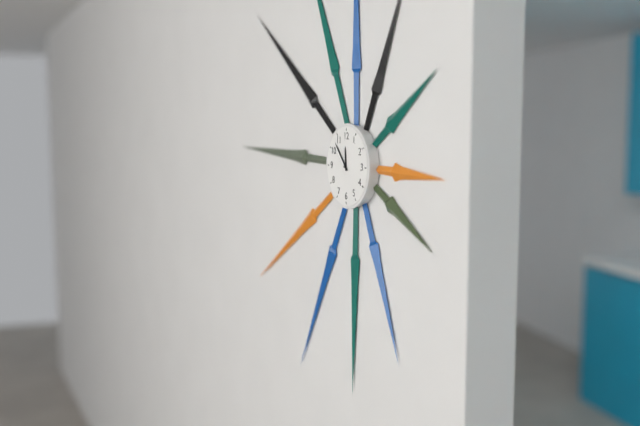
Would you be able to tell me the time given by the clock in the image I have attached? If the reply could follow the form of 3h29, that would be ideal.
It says 11h53
